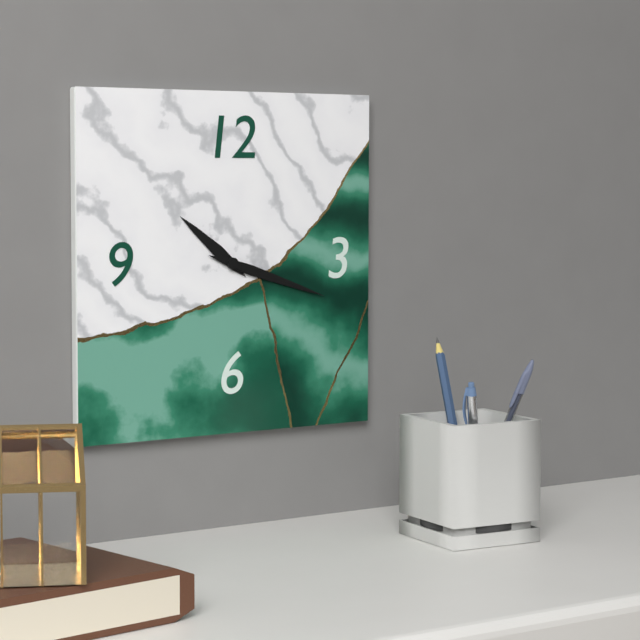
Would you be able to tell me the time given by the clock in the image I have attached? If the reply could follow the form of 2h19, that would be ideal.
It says 10h18
